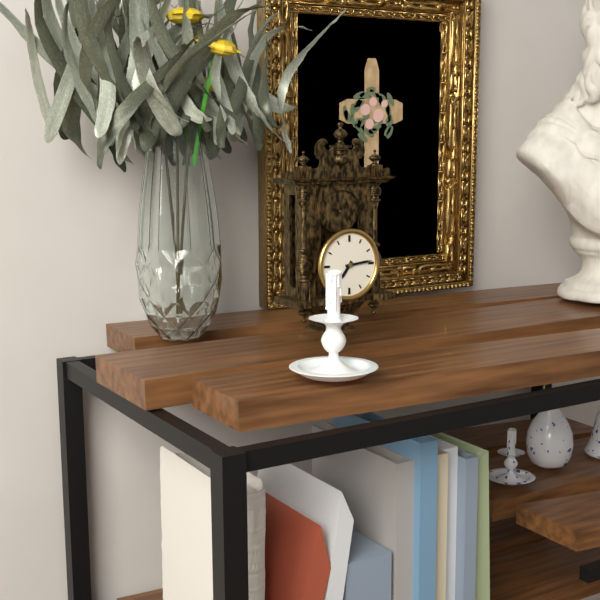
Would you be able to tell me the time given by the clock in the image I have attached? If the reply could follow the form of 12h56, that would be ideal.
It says 7h14
